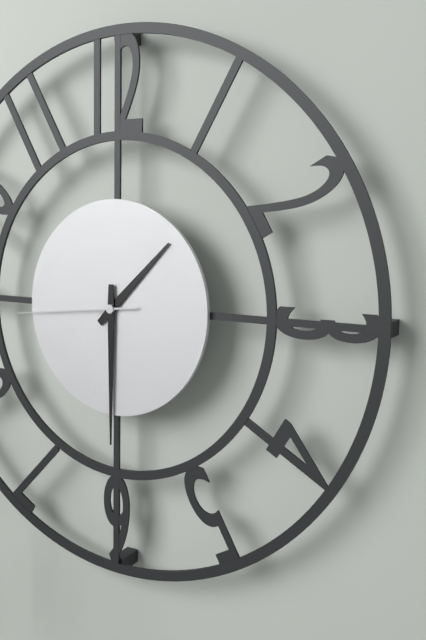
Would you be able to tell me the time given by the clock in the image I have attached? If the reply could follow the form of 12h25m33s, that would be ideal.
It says 1h30m44s
